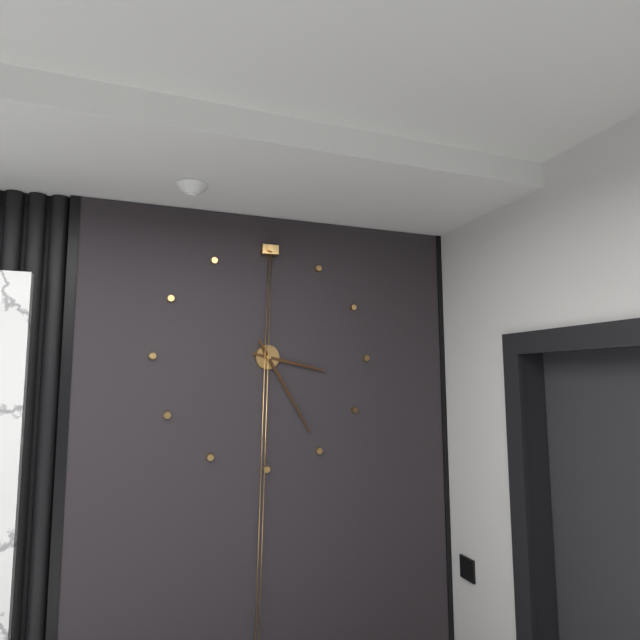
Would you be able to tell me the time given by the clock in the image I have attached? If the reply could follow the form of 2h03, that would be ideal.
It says 3h25
